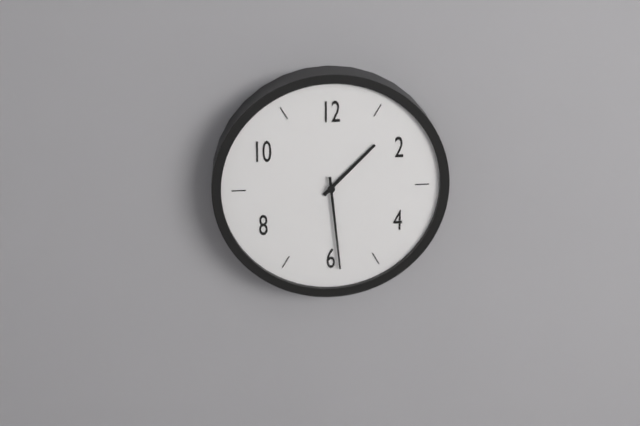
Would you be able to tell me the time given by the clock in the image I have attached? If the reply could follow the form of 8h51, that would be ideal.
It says 1h29
